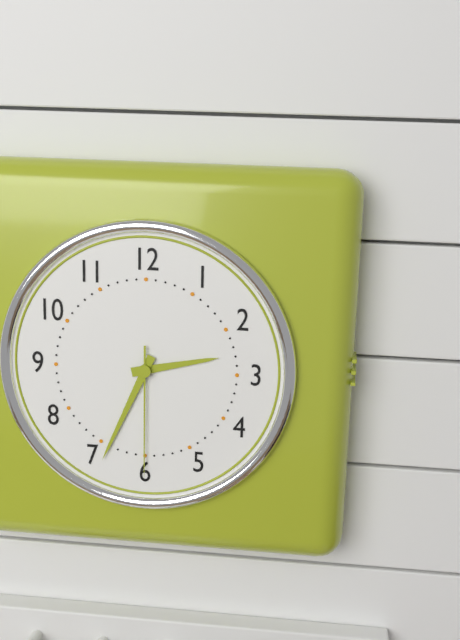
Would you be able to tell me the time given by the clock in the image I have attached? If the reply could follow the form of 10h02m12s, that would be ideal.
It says 2h34m30s
